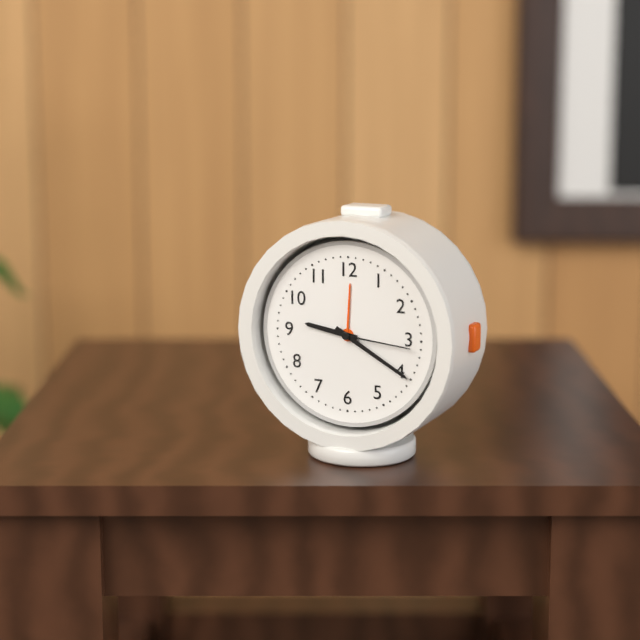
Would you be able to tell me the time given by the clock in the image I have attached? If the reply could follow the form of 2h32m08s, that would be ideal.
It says 9h20m16s
